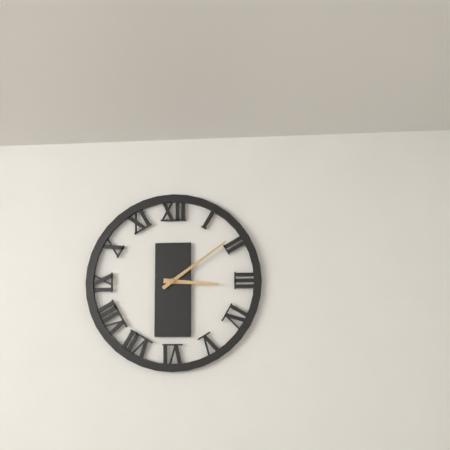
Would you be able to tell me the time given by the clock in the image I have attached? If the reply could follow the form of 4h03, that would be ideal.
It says 3h09
